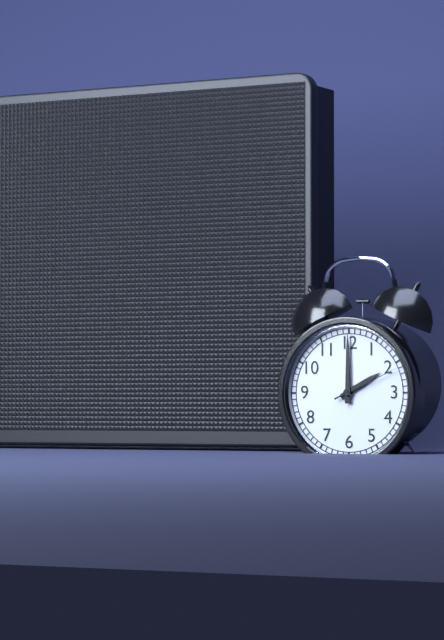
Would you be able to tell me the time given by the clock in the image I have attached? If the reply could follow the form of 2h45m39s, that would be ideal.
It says 2h00m11s
